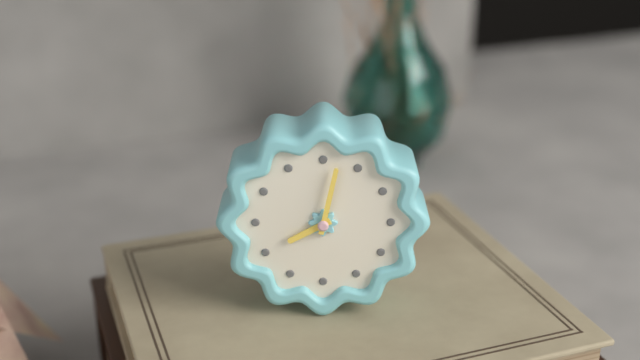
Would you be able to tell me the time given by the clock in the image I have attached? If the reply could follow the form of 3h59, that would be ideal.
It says 8h02
